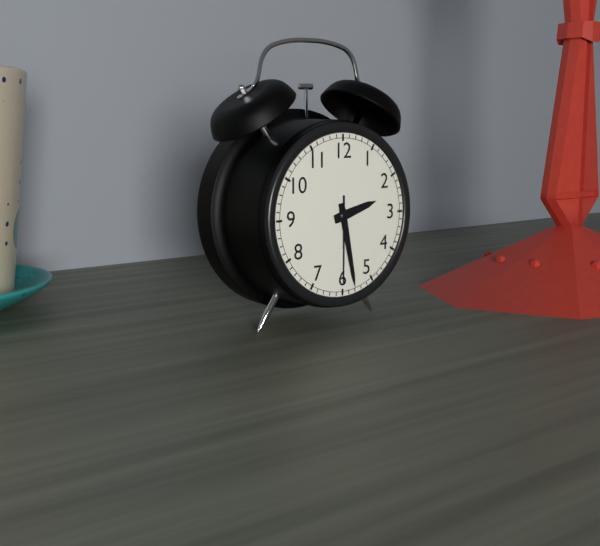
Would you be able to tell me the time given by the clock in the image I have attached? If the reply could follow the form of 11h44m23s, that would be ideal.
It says 2h28m30s
